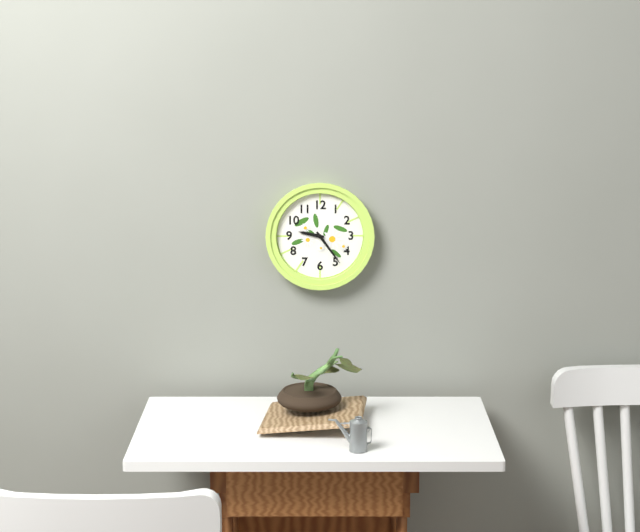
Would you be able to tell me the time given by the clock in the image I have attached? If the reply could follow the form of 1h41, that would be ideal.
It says 9h24
